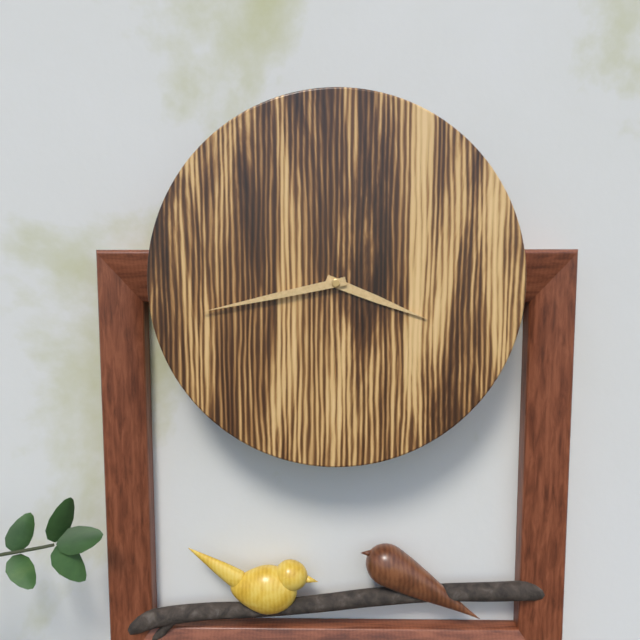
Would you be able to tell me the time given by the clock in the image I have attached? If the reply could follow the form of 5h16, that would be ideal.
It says 3h43
